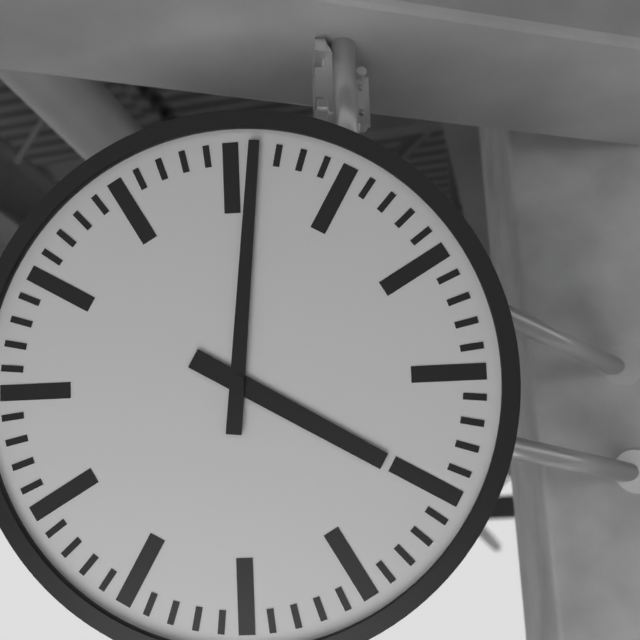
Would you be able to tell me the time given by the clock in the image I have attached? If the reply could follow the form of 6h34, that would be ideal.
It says 4h01
